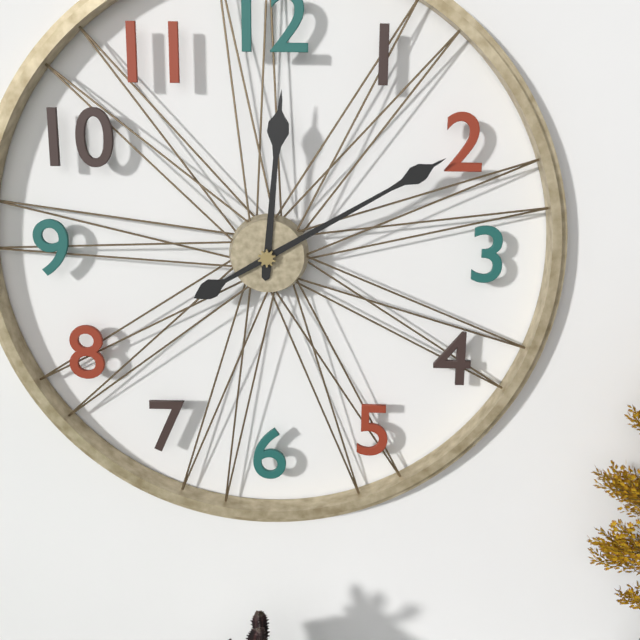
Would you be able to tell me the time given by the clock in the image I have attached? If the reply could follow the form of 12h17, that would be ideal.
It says 12h10
